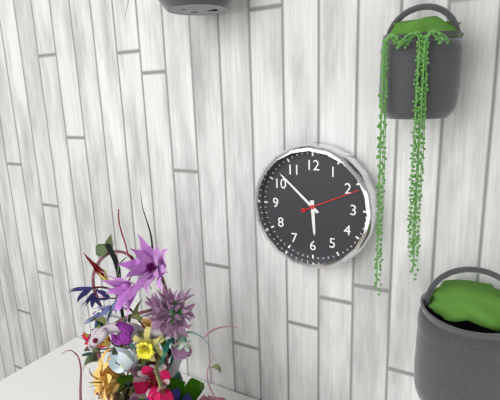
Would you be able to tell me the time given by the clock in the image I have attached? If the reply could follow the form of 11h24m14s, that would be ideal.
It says 5h52m11s
